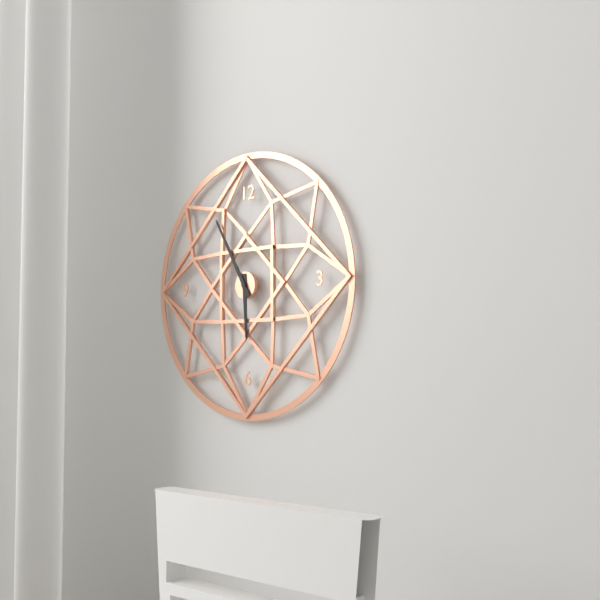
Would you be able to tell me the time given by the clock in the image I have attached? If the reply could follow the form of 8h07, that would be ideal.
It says 5h55
